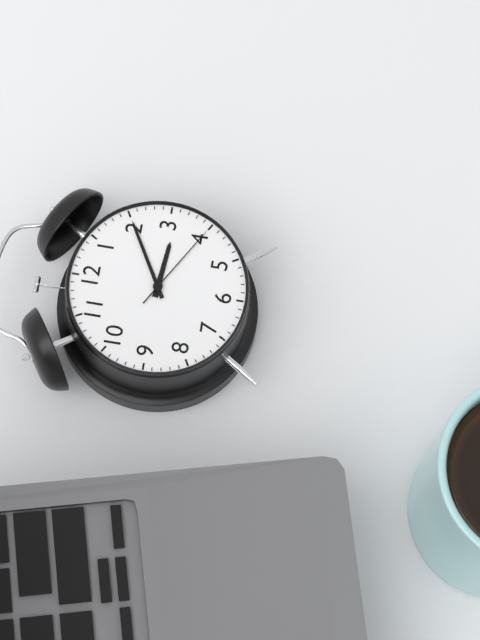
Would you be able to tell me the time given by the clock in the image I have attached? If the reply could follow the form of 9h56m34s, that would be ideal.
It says 3h10m20s
